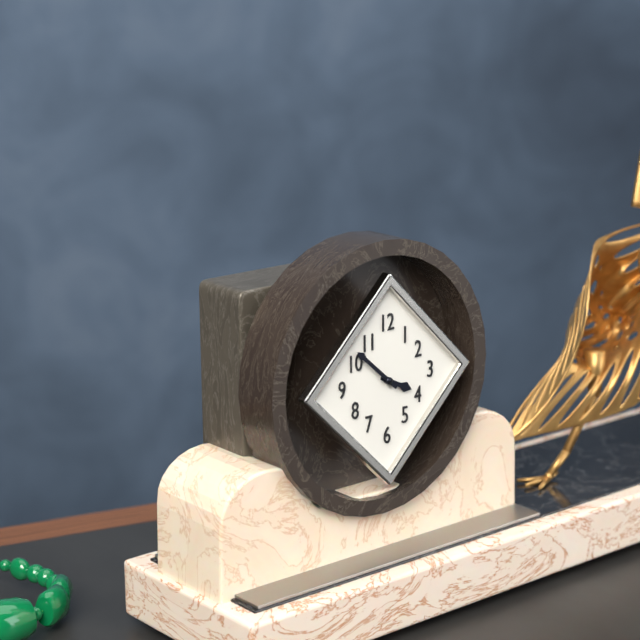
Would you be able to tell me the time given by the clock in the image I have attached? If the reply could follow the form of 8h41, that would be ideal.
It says 3h52
